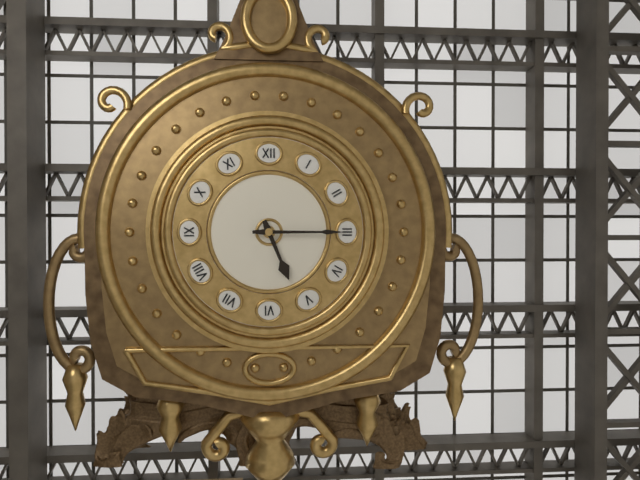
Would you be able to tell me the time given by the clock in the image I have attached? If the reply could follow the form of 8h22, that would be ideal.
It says 5h15
